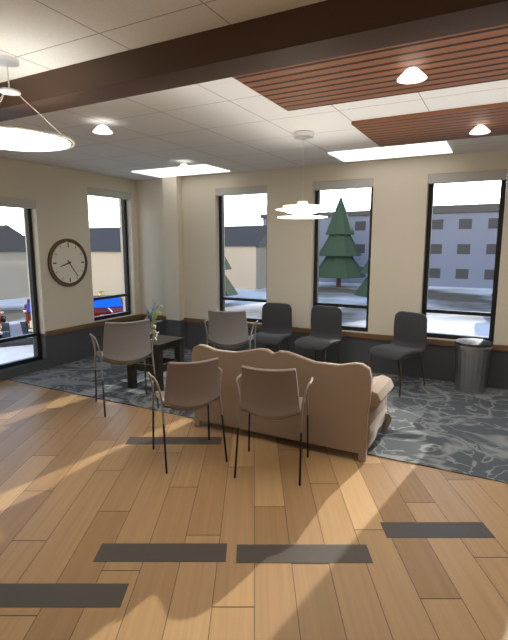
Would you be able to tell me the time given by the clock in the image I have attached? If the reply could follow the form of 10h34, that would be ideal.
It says 8h24
